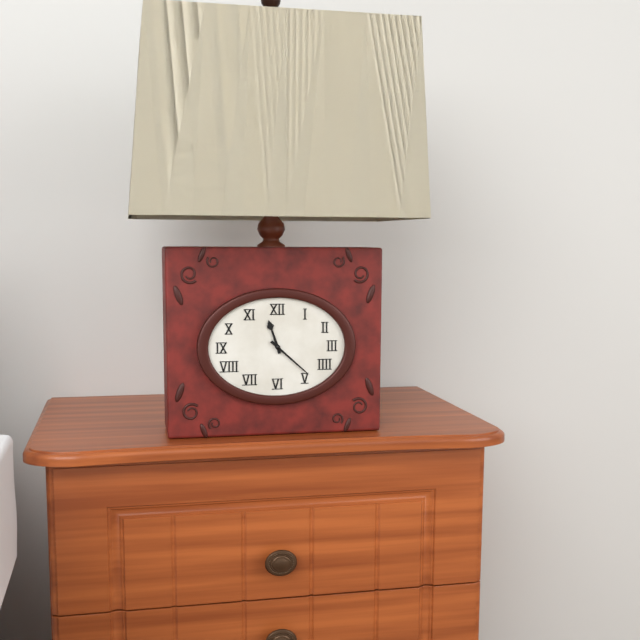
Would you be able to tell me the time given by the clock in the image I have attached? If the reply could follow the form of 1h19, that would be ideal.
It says 11h22
